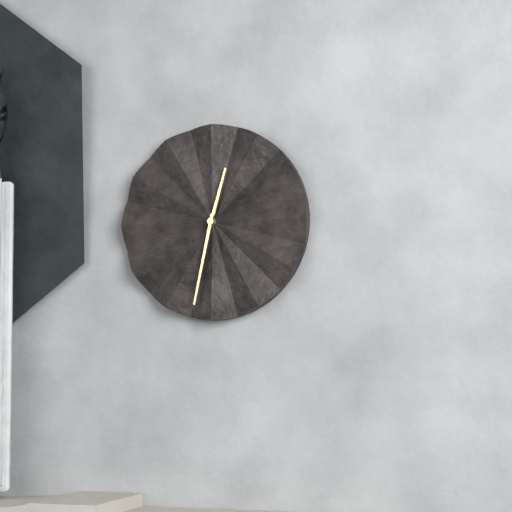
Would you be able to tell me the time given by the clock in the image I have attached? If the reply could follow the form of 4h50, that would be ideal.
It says 12h32
